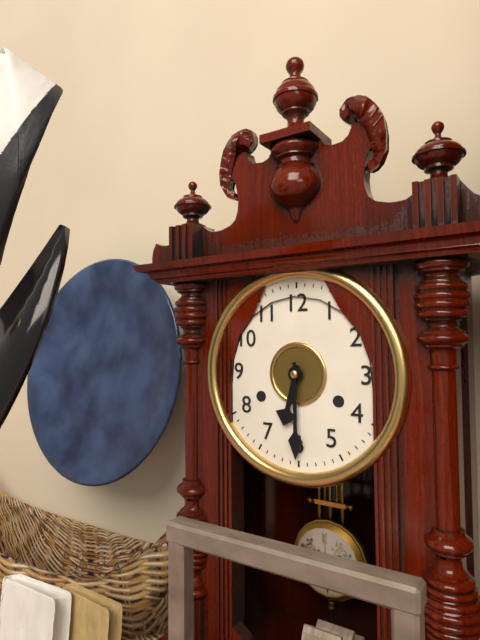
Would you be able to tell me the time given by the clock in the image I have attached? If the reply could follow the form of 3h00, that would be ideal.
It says 6h30
